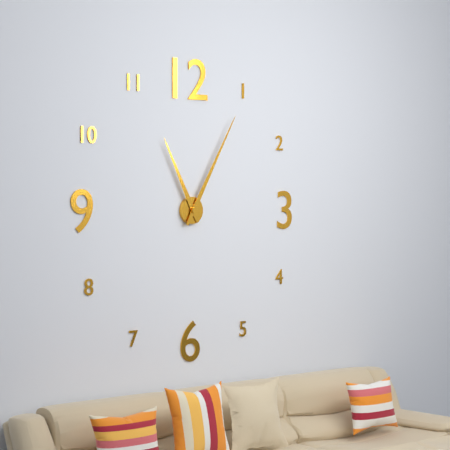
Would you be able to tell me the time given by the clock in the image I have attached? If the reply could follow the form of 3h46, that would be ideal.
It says 11h05
